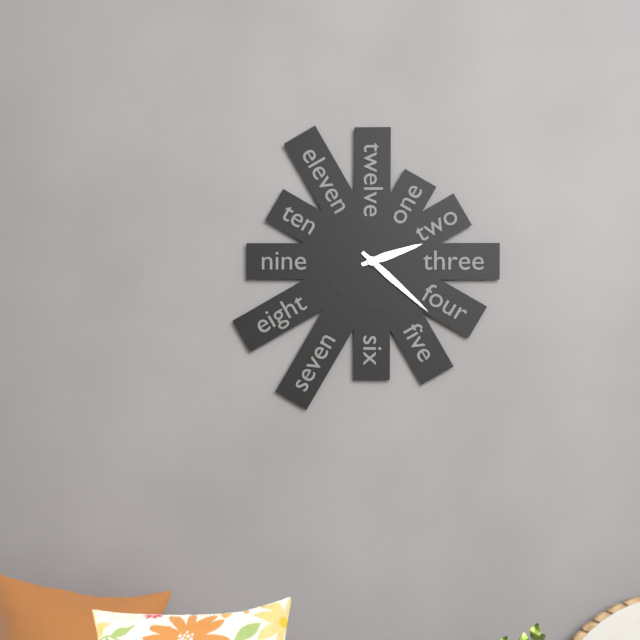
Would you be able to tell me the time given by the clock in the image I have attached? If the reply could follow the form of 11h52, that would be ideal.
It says 2h22
